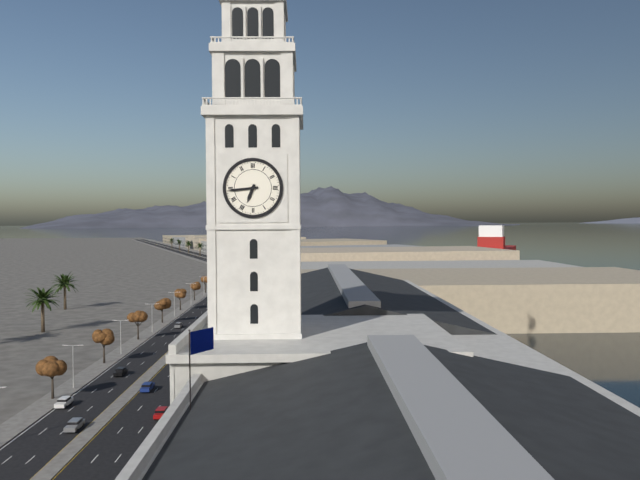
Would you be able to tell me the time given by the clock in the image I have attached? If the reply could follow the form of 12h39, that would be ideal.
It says 6h44
